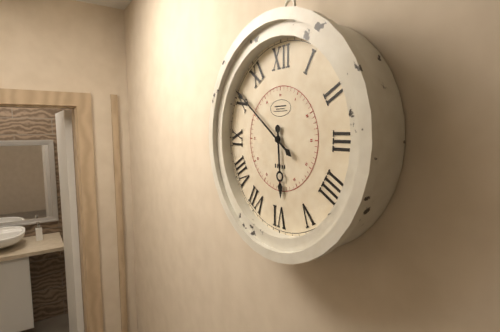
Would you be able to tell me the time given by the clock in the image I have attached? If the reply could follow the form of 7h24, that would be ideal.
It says 5h51
